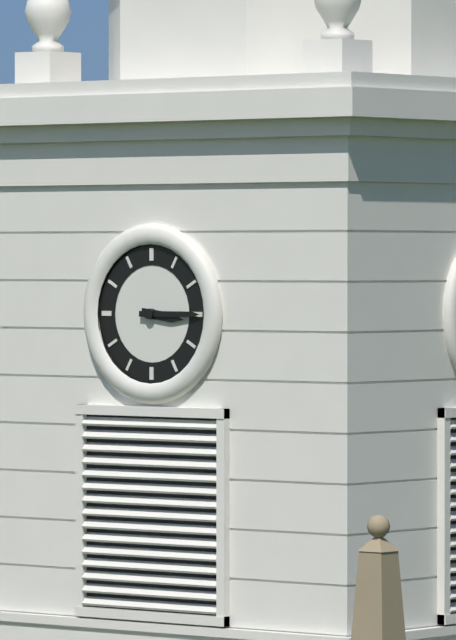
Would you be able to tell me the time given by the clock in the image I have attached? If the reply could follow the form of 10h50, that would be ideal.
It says 3h15
